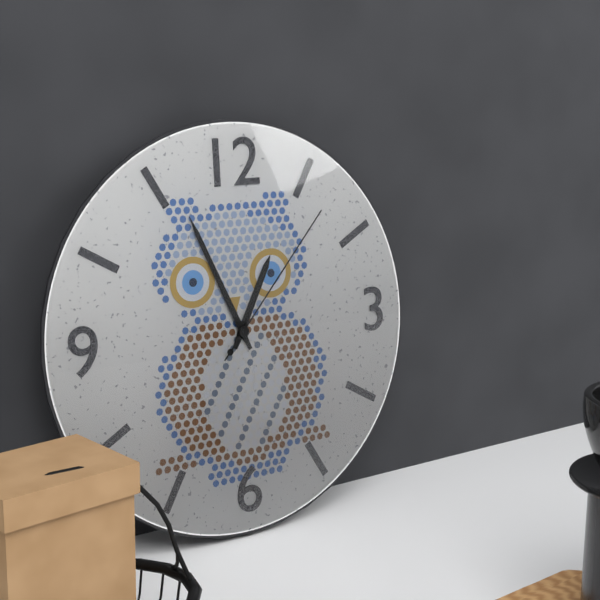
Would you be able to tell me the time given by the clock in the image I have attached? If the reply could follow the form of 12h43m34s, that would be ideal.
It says 12h56m07s
